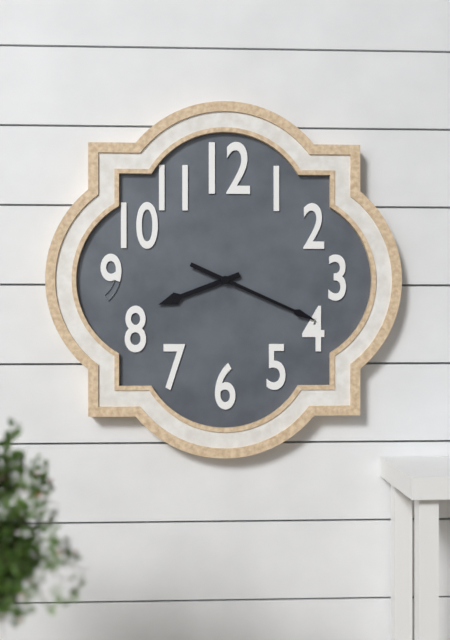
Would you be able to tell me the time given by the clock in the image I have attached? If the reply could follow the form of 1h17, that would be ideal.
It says 8h19
